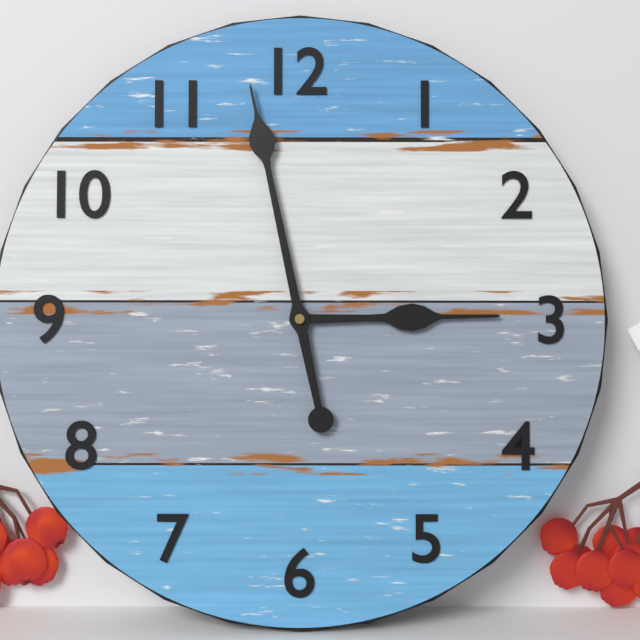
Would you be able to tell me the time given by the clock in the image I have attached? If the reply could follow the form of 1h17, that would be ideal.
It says 2h58
